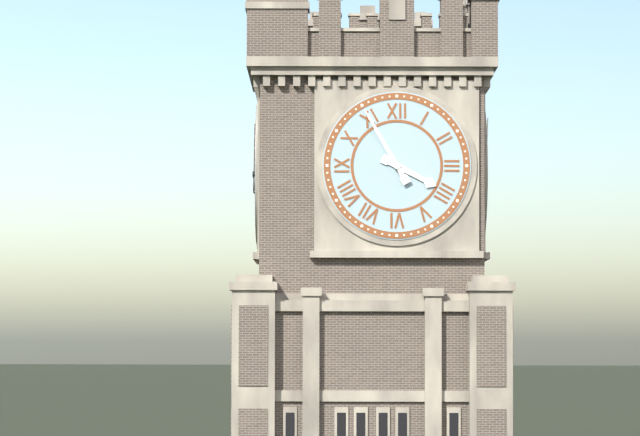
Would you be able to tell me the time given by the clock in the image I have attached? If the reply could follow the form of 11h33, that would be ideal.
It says 3h55
